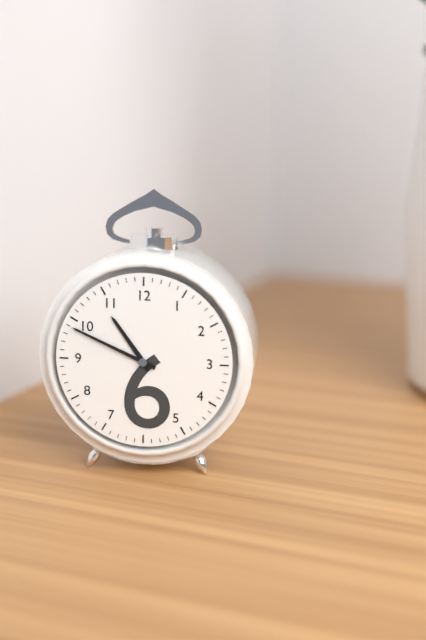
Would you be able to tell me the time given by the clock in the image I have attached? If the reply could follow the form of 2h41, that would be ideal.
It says 10h49
